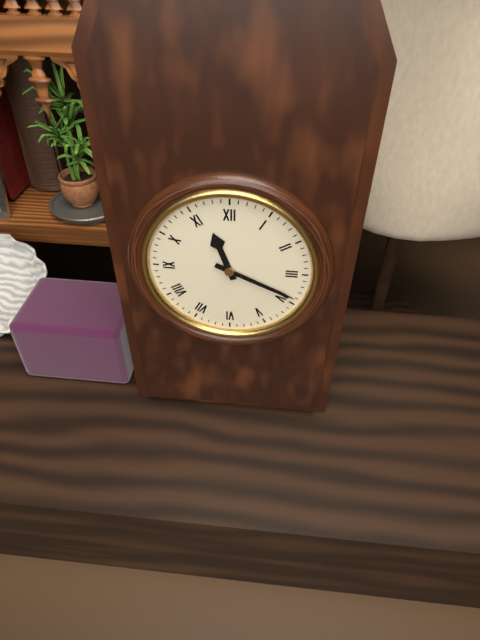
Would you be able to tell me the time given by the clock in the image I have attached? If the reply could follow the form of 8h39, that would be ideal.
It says 11h19
